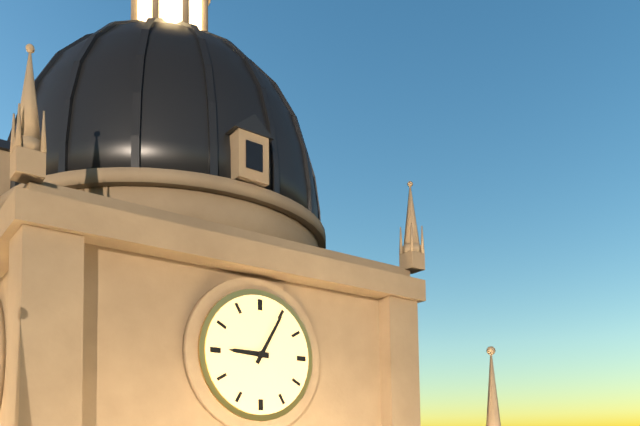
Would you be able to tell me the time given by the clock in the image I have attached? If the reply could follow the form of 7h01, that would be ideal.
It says 9h05
